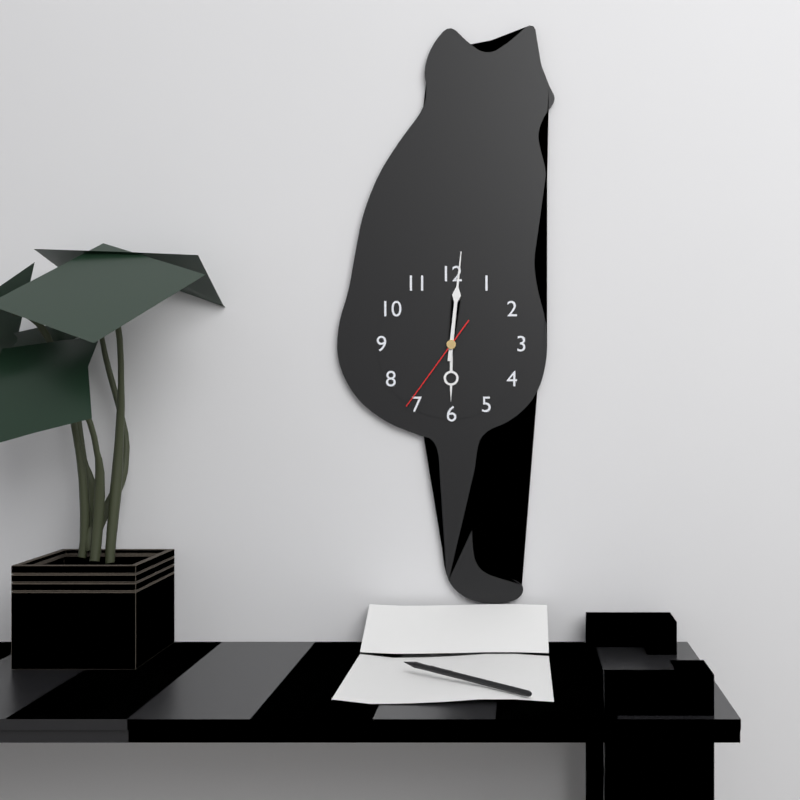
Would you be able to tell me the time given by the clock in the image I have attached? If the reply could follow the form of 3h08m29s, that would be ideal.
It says 6h01m36s
